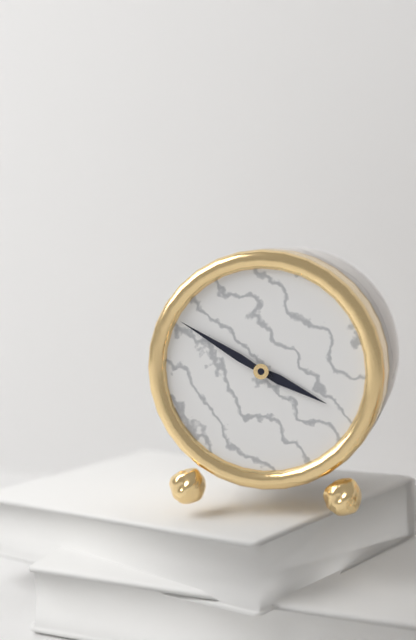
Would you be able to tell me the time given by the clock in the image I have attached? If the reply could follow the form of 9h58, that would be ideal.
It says 3h50
